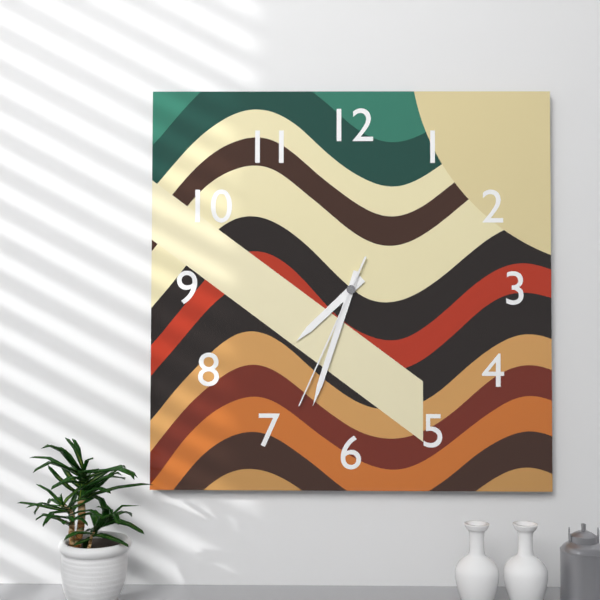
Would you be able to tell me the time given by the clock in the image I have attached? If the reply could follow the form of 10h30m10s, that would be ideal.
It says 7h33m34s
